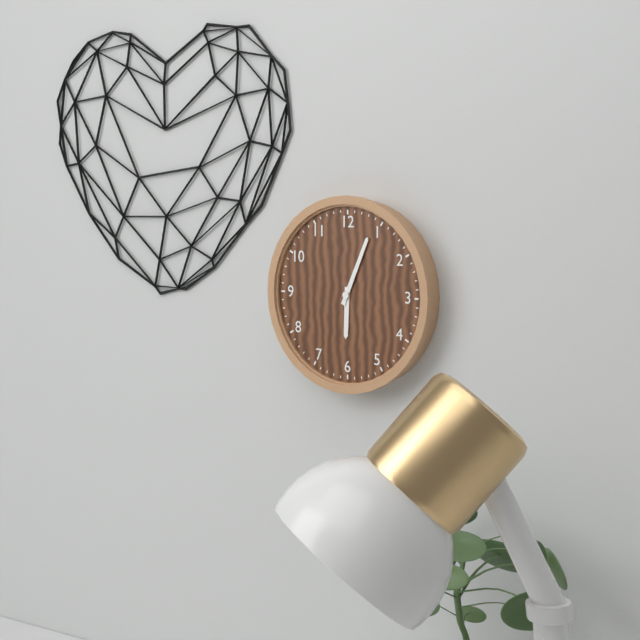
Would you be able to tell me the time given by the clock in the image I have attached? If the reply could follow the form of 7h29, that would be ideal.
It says 6h04
